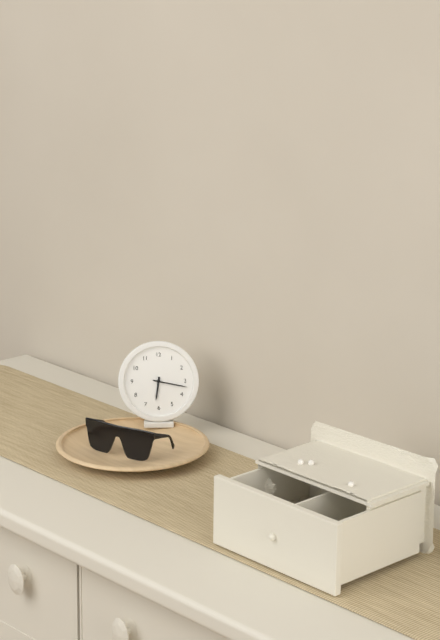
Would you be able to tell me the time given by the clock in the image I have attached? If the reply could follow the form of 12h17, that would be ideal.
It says 6h17
